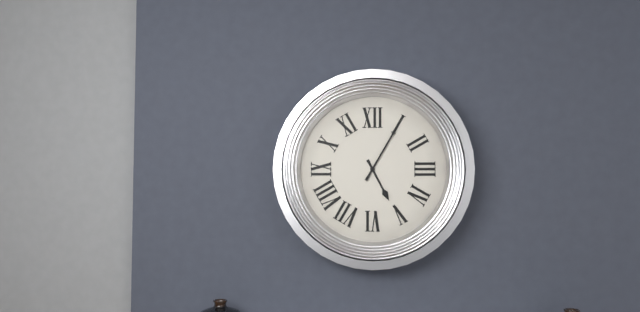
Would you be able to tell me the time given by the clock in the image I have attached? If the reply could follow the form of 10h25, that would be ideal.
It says 5h05
